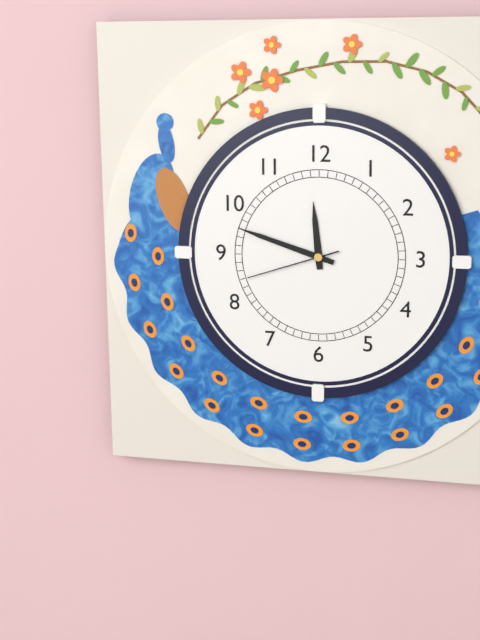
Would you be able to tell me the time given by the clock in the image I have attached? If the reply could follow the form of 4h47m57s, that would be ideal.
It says 11h48m42s
